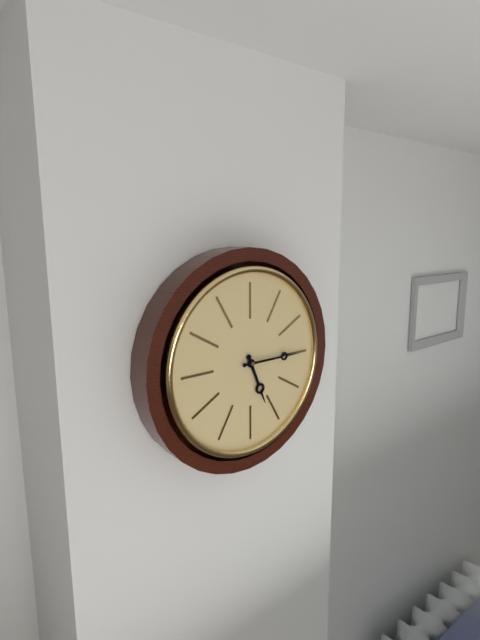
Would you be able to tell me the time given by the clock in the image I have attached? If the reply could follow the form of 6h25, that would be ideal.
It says 5h15
